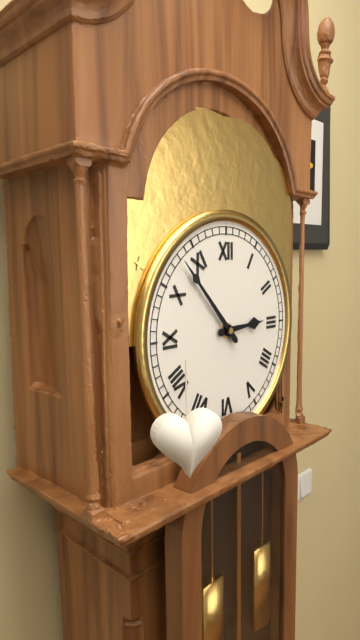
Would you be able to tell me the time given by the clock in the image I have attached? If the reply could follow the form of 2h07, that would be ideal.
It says 2h53
